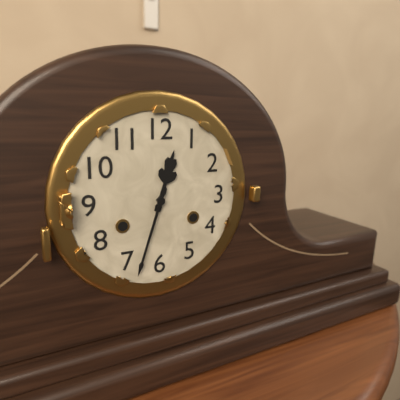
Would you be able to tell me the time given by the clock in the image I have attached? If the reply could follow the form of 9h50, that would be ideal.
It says 12h33
